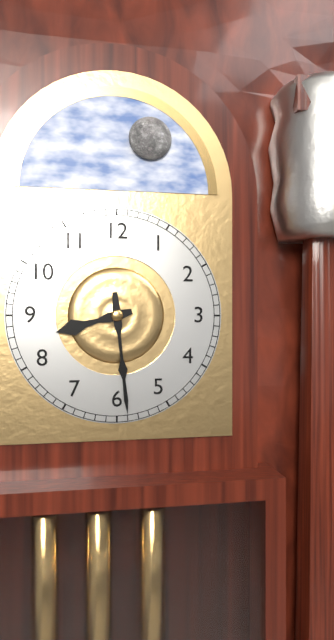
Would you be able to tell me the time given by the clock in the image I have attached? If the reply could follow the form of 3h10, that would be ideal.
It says 8h29
